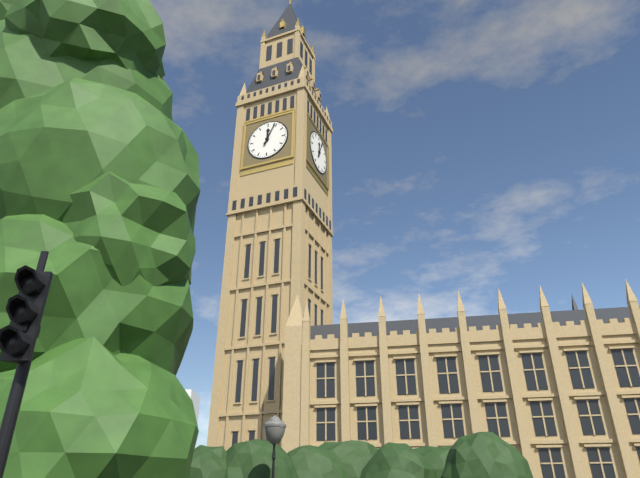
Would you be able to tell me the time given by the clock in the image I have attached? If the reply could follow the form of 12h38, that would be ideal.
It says 12h04
